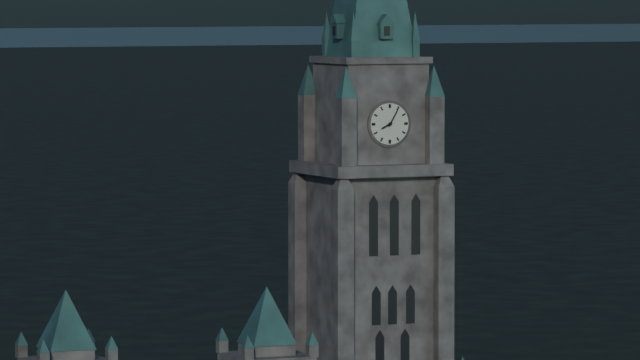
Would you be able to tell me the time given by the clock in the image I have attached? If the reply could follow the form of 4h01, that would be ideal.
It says 8h05
